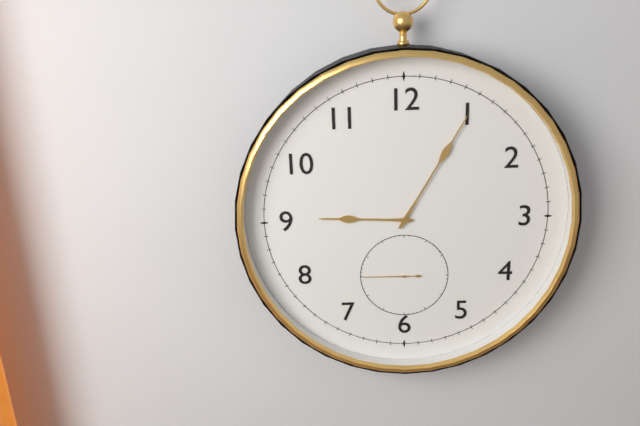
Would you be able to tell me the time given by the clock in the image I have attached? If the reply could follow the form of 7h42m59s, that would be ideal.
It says 9h05m45s
